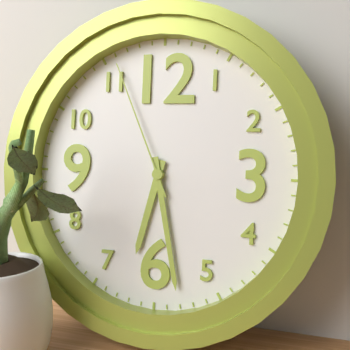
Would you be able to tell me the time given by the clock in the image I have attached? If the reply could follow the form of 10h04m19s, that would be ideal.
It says 6h28m56s
